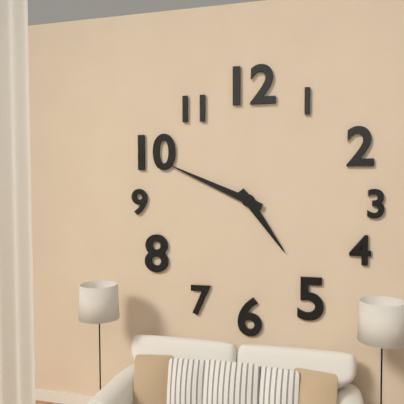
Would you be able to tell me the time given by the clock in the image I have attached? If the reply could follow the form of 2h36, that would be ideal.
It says 4h49
